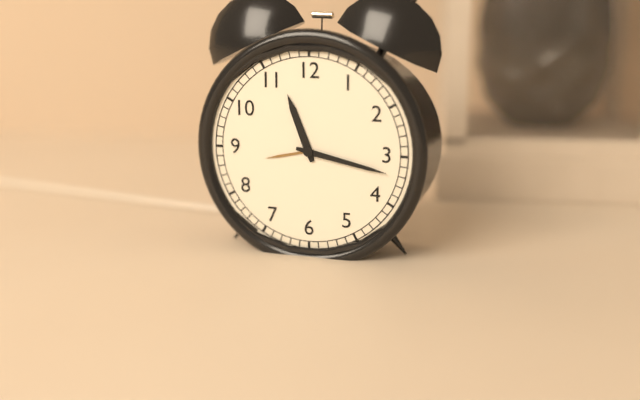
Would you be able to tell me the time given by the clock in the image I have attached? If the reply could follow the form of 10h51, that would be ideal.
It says 11h17
